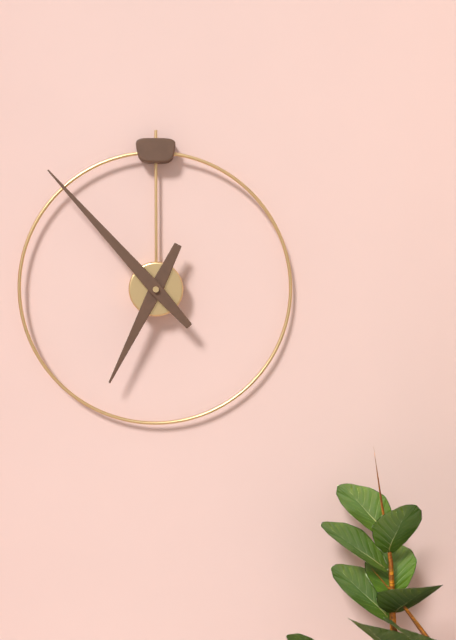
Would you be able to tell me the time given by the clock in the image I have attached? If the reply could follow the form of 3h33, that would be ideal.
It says 6h53
